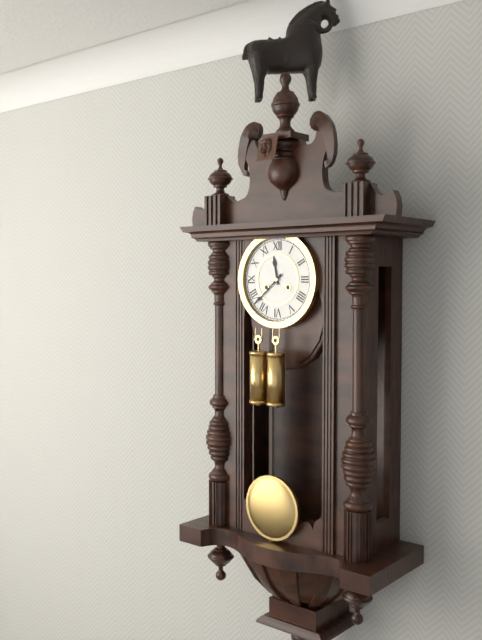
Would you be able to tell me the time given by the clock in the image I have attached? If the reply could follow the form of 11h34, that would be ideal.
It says 11h38
